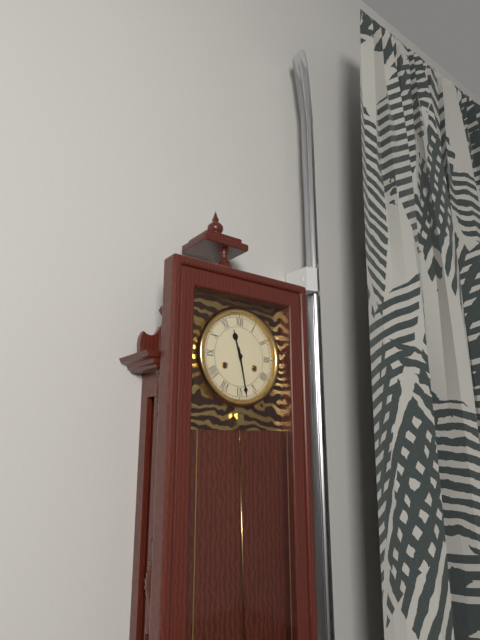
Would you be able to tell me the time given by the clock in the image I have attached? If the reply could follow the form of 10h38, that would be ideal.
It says 11h28
